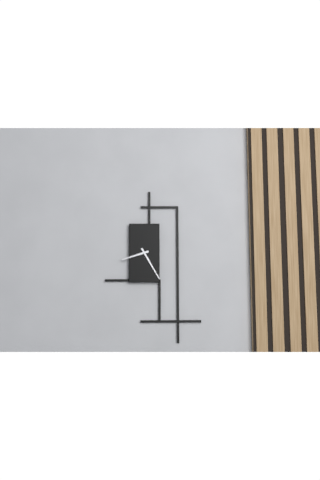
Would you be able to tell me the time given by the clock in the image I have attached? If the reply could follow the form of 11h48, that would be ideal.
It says 8h25
